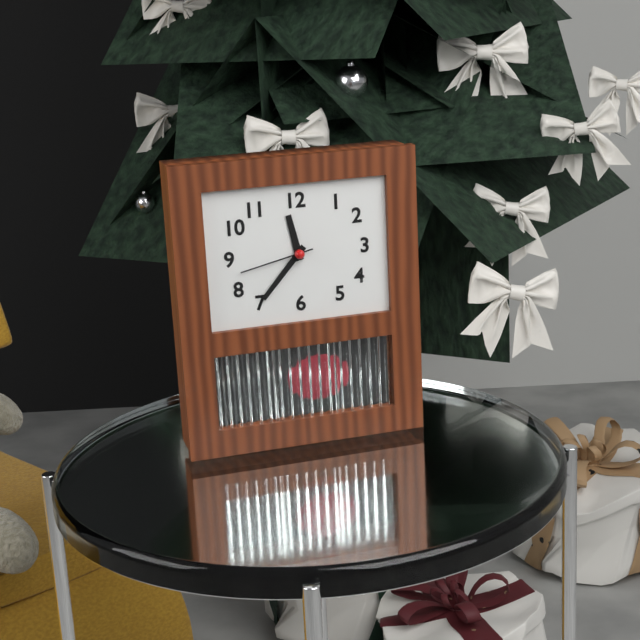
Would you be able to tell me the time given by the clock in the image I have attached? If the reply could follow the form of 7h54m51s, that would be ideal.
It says 11h37m43s
